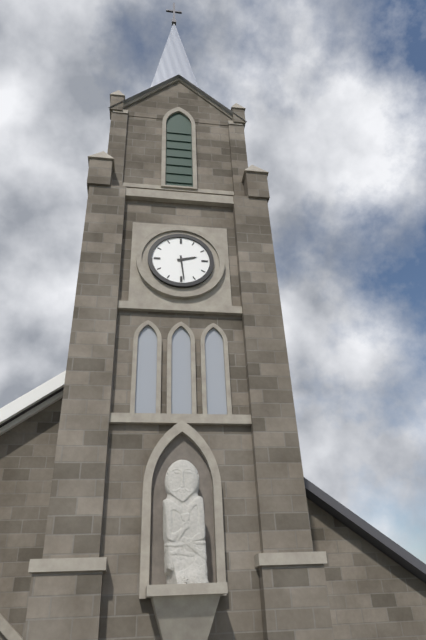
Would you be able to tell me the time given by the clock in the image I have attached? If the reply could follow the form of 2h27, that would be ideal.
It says 2h29
